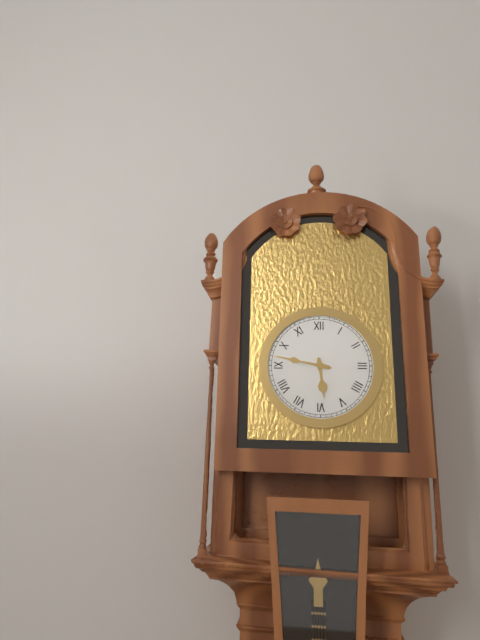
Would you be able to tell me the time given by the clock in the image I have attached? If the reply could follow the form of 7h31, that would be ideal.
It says 5h47
